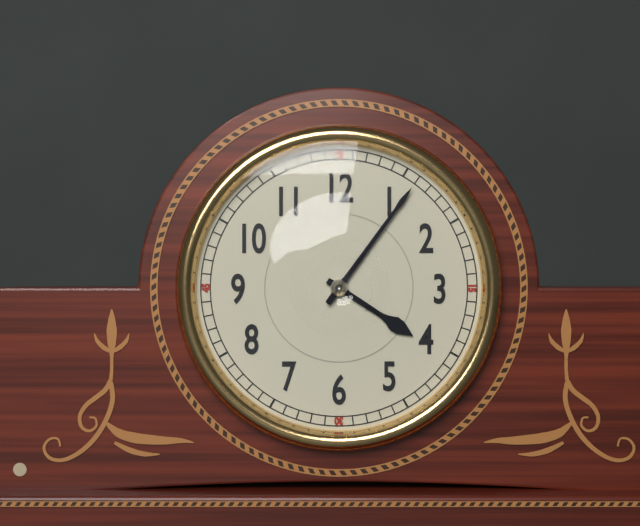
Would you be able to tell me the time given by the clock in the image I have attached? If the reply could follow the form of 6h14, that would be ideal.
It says 4h06
